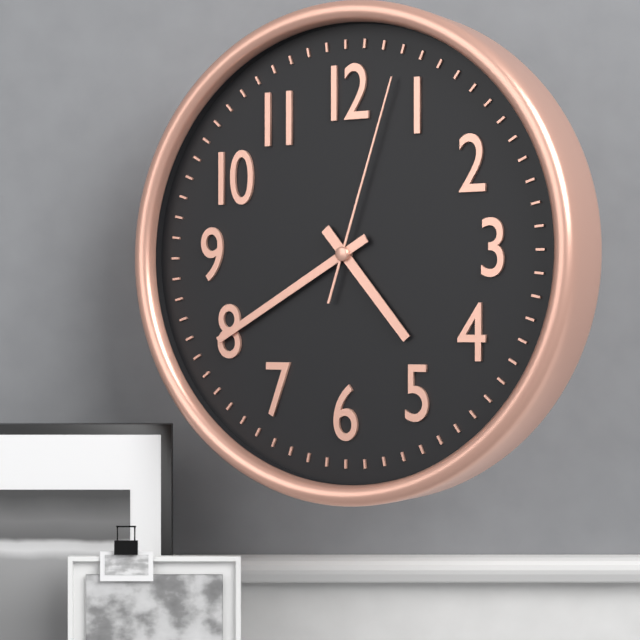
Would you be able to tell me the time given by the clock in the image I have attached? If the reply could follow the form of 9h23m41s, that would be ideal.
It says 4h40m03s
